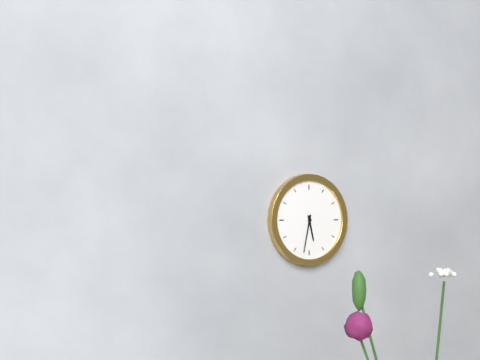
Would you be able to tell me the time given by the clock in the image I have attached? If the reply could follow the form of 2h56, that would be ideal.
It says 5h32
